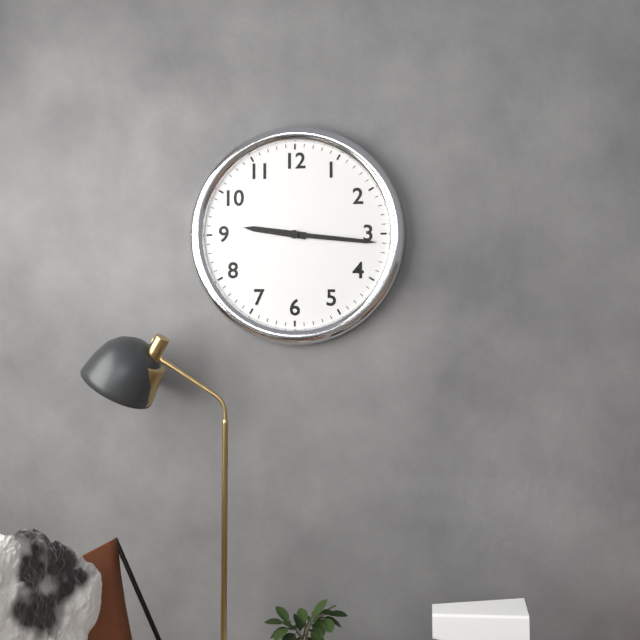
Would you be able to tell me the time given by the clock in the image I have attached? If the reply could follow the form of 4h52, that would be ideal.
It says 9h16
